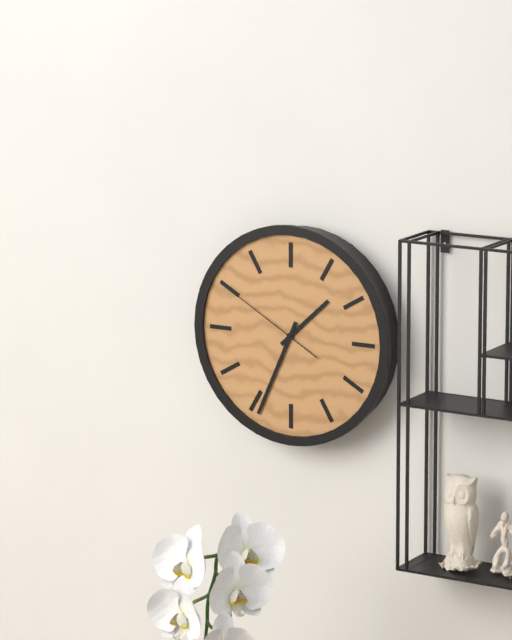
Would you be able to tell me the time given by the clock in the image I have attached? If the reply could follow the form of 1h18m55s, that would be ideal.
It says 1h34m50s
